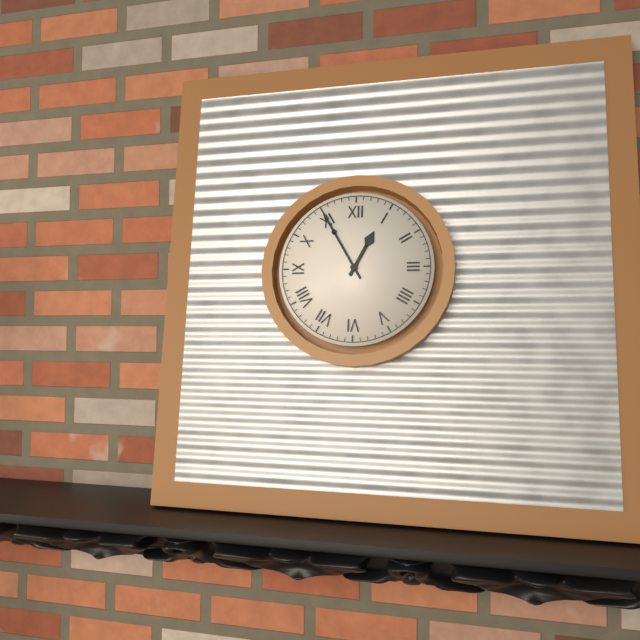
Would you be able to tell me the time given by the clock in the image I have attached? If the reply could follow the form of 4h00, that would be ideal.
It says 12h55
